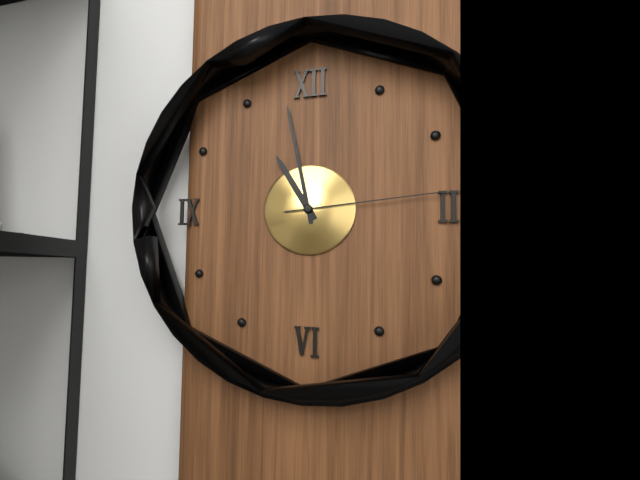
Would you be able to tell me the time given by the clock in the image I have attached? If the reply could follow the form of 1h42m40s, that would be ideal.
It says 10h58m14s
